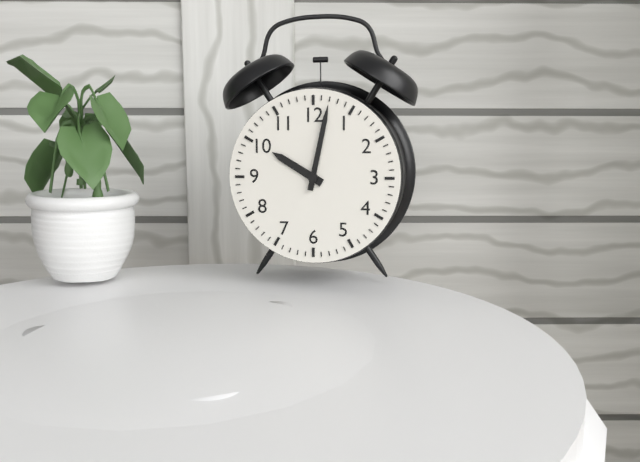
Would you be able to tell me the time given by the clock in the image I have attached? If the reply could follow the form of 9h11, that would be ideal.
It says 10h02
